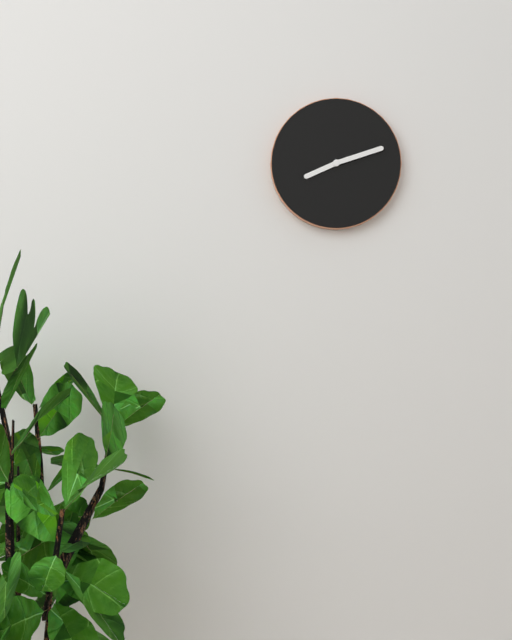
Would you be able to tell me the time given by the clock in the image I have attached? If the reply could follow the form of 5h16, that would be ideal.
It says 8h12
